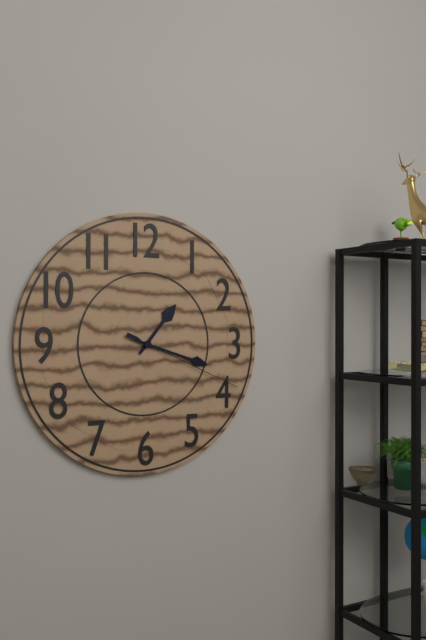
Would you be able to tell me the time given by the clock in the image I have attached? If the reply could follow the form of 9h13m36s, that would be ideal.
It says 1h18m19s
